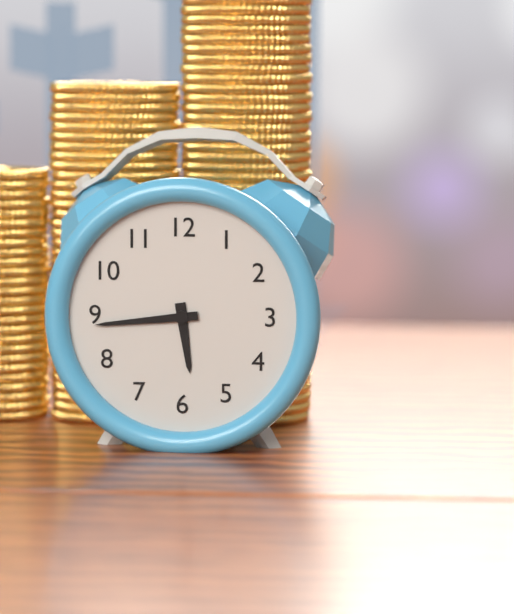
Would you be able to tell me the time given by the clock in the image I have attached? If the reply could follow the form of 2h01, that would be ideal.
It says 5h44
